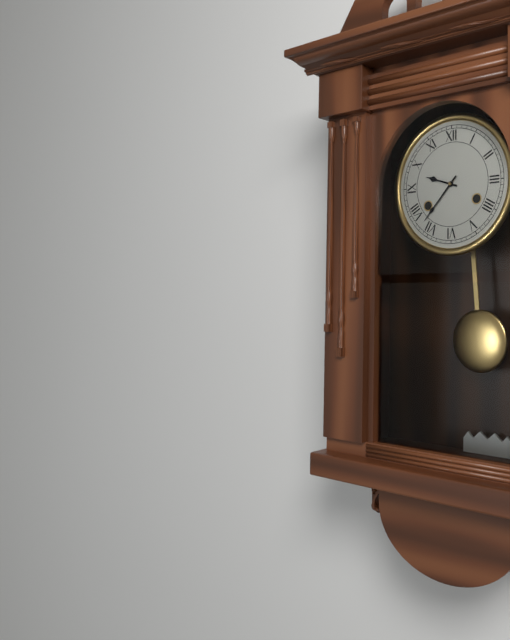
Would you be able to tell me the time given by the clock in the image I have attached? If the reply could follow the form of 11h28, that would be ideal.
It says 9h37
